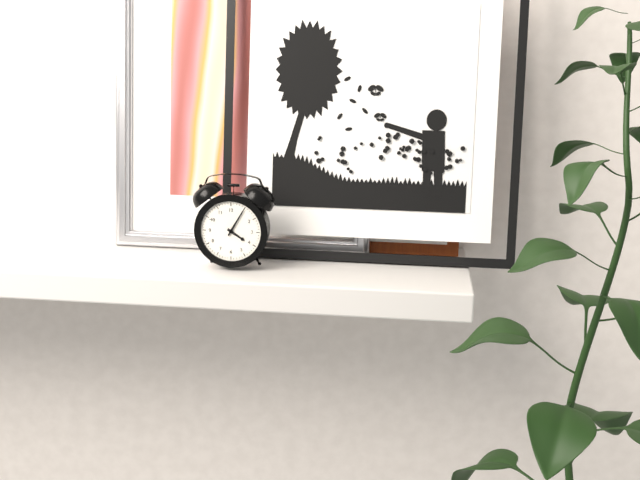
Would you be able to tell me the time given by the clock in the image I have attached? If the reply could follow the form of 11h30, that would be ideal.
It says 4h05
